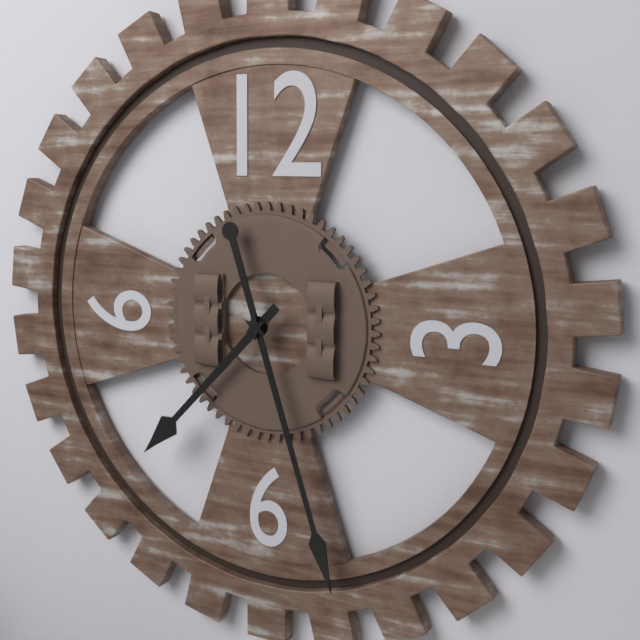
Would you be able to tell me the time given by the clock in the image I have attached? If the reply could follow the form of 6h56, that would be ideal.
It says 7h27
